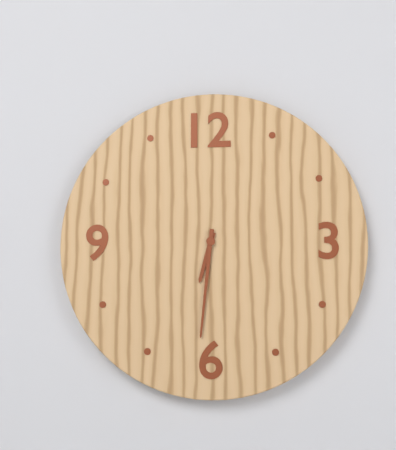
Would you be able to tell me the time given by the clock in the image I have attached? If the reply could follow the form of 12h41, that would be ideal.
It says 6h31
